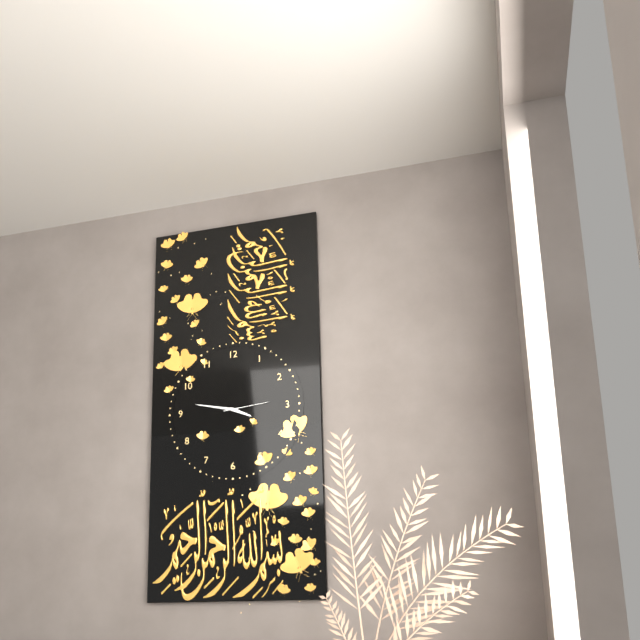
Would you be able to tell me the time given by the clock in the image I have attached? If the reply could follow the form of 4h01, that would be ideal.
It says 3h47
